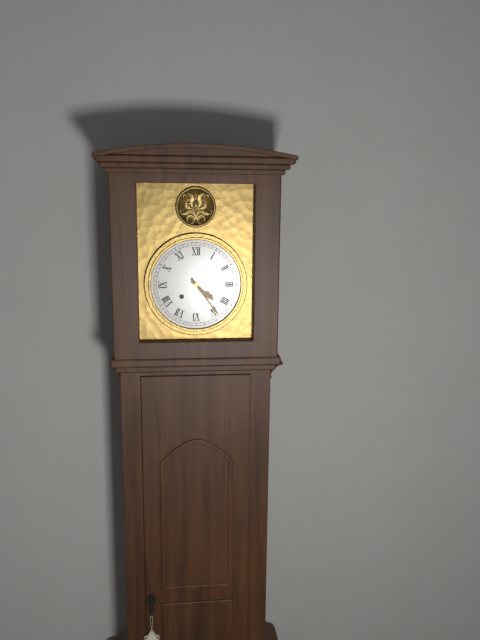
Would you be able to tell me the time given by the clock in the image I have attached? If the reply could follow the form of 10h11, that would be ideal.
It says 4h24
